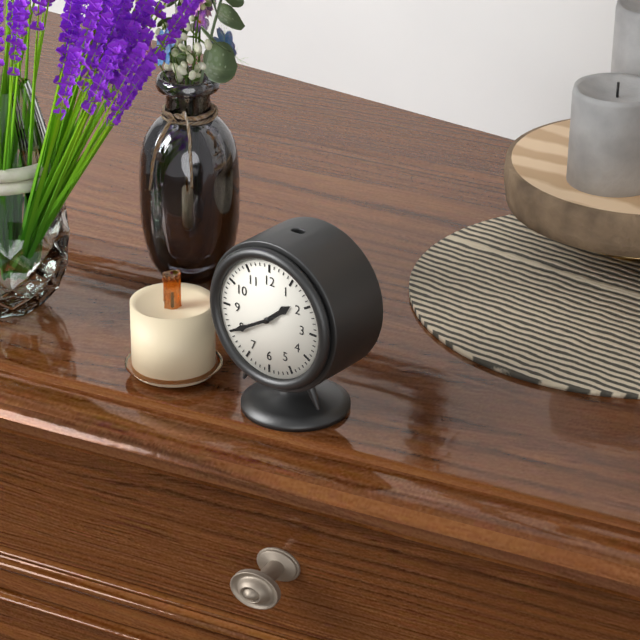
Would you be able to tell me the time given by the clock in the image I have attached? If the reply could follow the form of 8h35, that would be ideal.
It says 1h40
